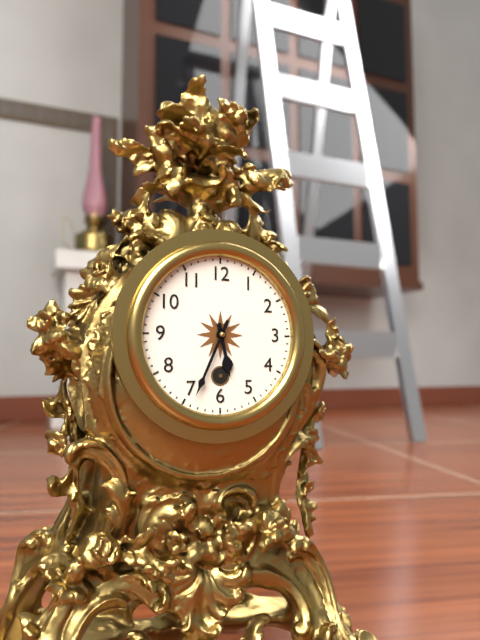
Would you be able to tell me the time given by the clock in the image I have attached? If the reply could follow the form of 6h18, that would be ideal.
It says 5h34
